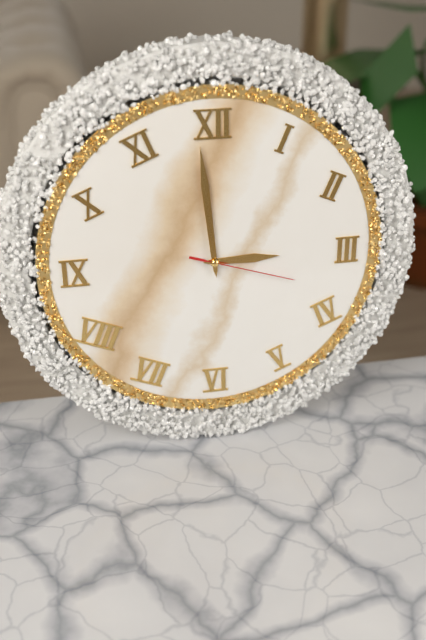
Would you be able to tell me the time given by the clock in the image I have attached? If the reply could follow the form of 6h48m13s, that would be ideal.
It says 2h59m18s
